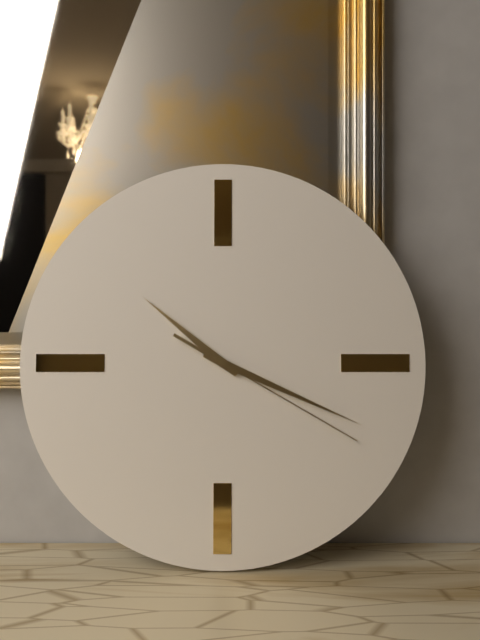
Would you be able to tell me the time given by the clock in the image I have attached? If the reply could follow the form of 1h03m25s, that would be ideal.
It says 10h19m20s
